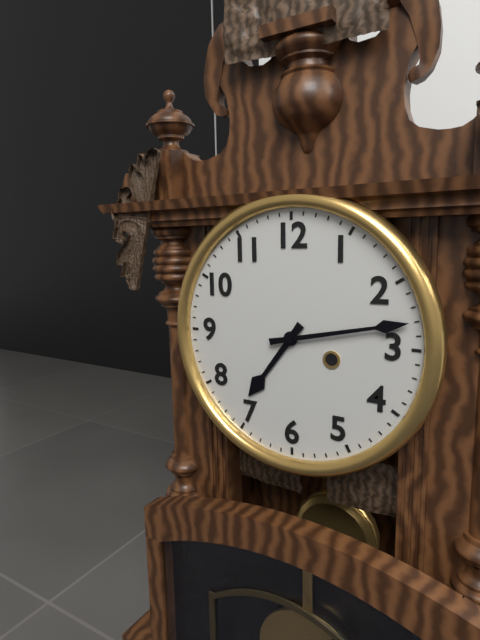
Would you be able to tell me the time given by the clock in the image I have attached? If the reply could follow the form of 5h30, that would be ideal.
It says 7h13
